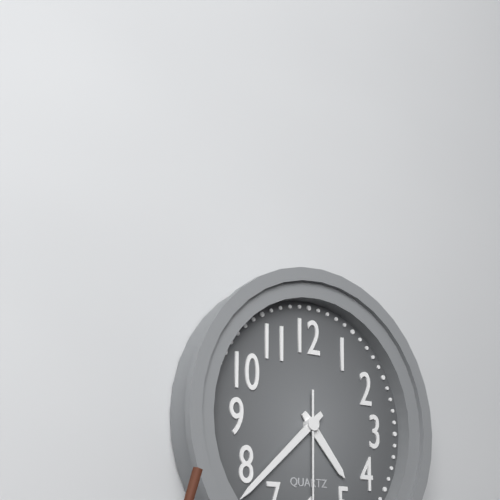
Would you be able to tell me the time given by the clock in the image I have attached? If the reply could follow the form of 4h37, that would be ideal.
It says 4h38
